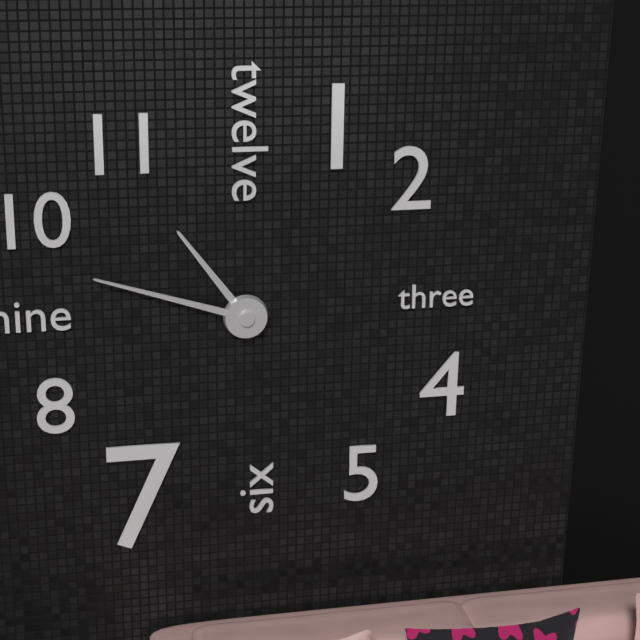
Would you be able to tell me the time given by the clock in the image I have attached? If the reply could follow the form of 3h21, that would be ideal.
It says 10h48
